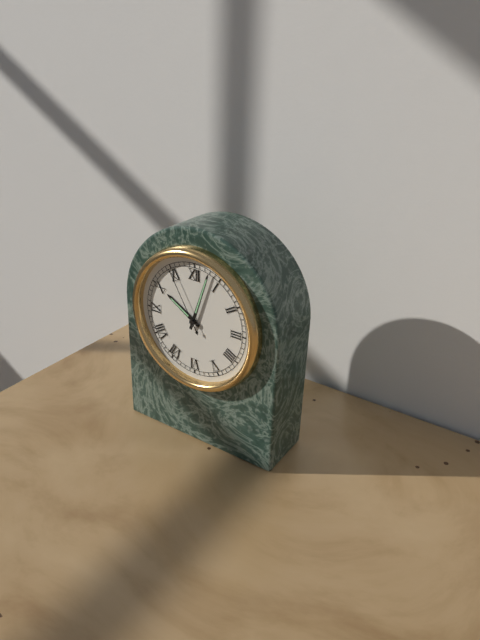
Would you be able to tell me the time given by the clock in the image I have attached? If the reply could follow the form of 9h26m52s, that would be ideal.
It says 10h03m55s
